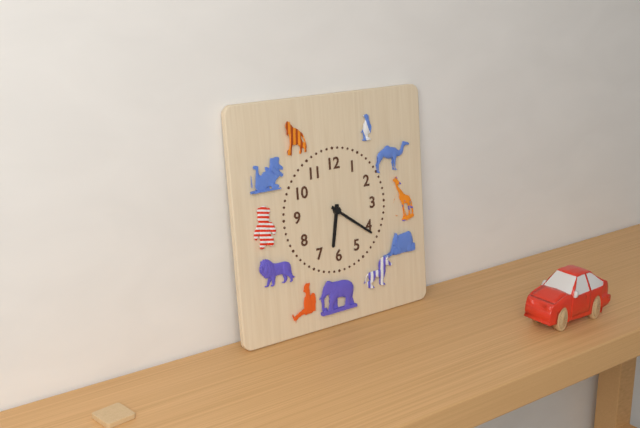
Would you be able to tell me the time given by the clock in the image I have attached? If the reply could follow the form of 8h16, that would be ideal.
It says 6h21
